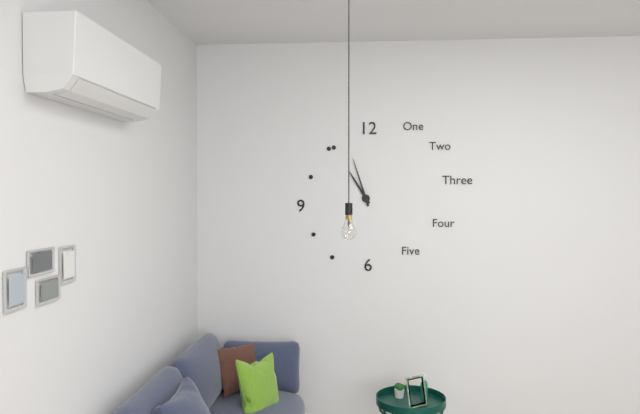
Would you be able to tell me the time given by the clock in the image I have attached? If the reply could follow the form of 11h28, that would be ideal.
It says 10h57
